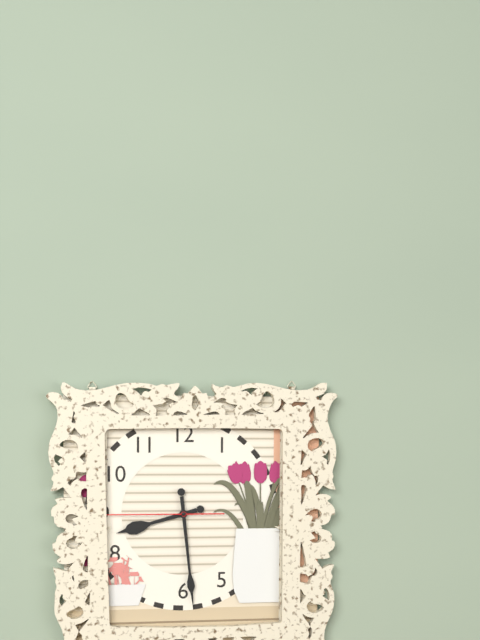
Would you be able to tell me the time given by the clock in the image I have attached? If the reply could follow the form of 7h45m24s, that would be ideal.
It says 8h29m45s
